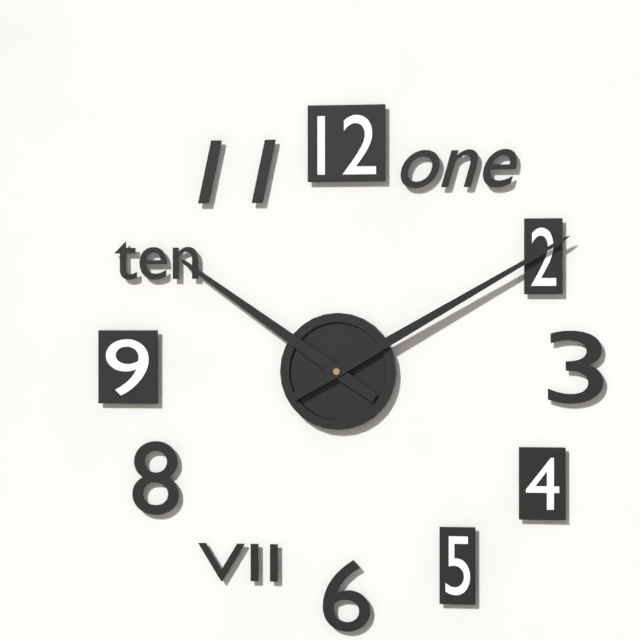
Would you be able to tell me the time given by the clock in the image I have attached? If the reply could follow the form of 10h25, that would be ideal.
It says 10h10
